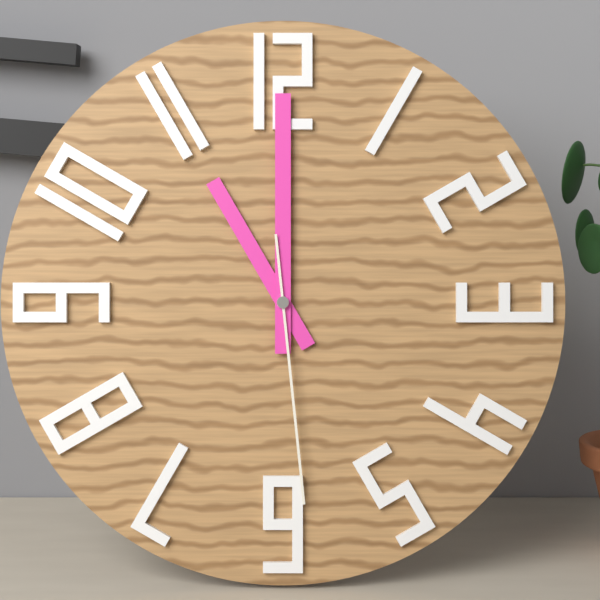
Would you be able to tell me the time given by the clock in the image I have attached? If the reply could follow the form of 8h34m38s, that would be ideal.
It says 11h00m29s
